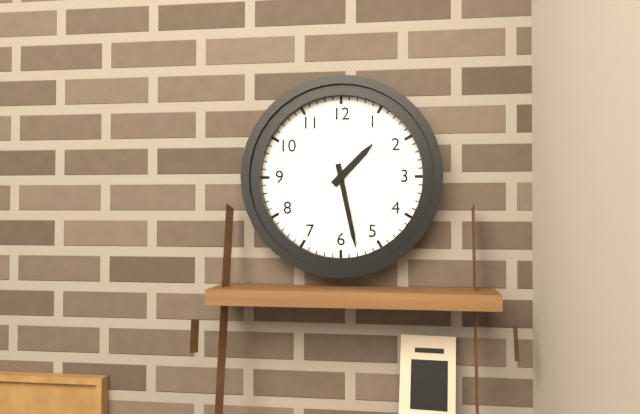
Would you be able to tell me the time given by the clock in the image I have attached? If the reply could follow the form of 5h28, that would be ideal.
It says 1h28
